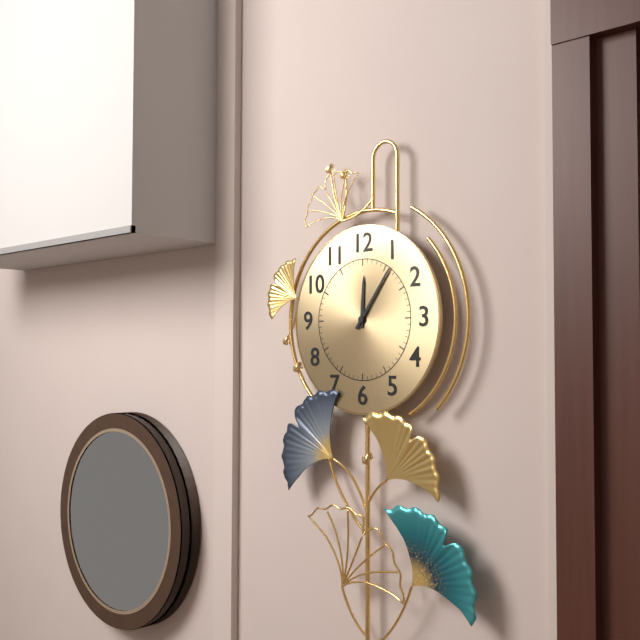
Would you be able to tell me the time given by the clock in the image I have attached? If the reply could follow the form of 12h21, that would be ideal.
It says 12h06
